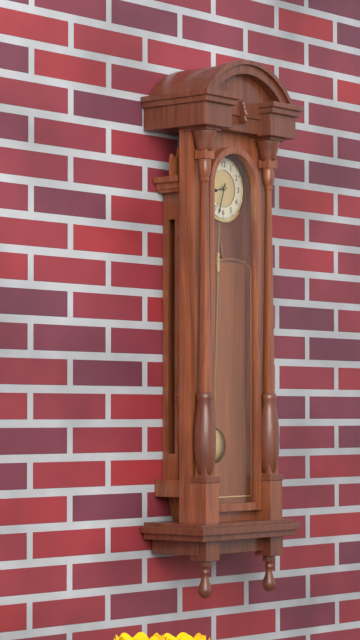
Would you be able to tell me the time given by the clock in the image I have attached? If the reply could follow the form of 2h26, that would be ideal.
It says 8h33
